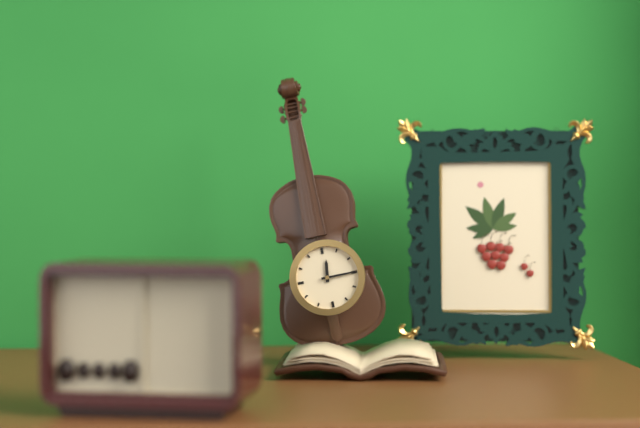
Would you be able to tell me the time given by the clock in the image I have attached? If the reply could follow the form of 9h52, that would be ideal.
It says 12h15
